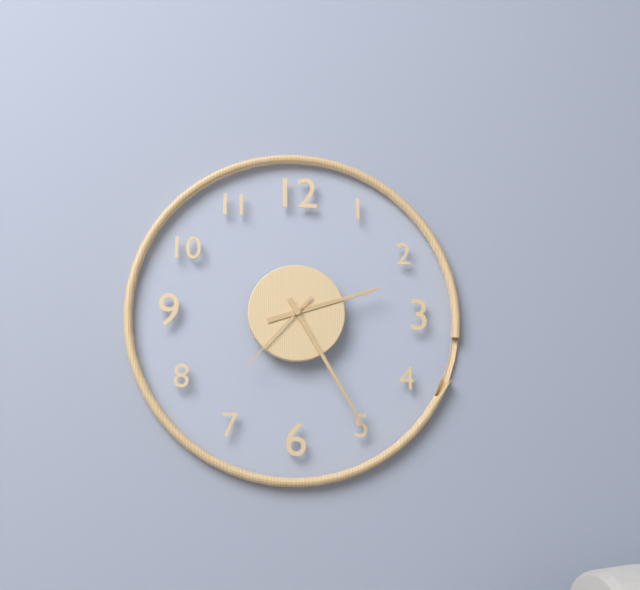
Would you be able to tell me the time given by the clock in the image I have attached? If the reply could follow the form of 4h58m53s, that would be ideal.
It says 2h25m37s
